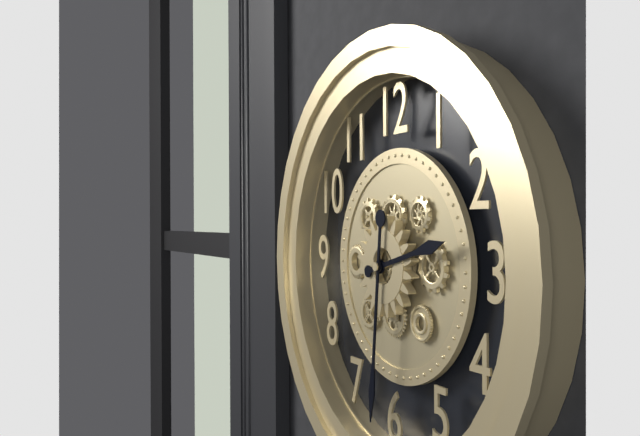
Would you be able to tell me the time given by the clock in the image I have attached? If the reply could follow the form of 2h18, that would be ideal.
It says 2h31
